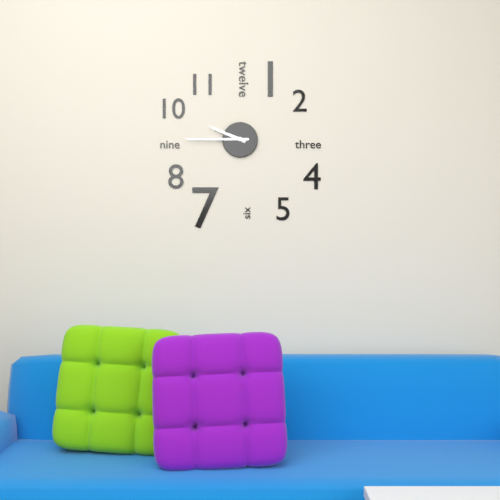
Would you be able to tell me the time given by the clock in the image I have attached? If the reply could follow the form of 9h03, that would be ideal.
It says 9h45
